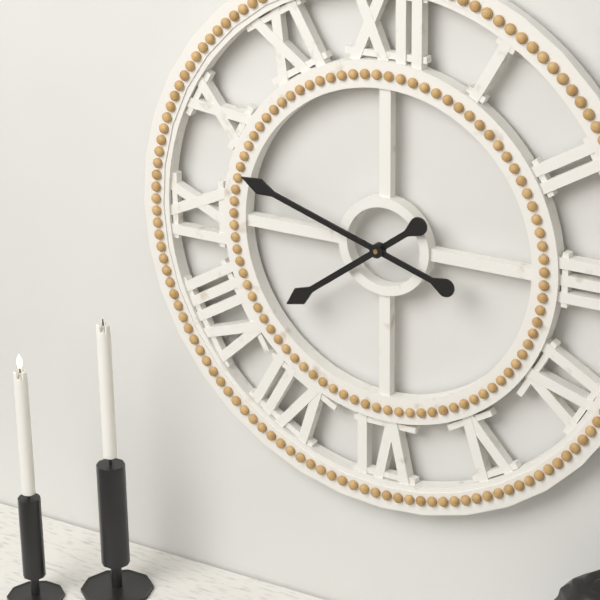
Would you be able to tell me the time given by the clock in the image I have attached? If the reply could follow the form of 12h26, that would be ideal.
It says 7h48
